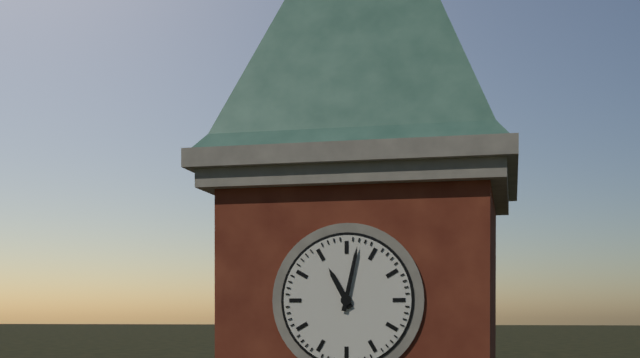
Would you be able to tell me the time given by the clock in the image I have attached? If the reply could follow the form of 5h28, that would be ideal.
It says 11h02
